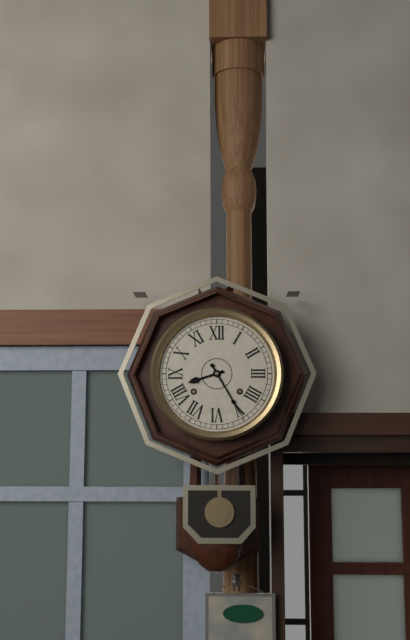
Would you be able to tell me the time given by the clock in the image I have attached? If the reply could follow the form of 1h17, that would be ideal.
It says 8h25
